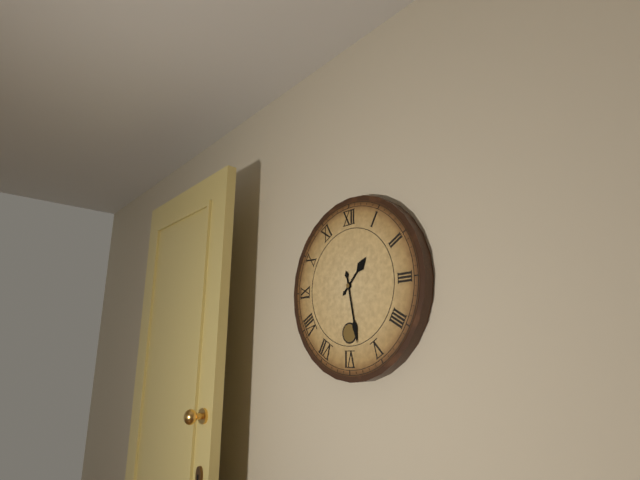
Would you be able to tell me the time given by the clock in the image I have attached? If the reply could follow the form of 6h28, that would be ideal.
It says 1h28
